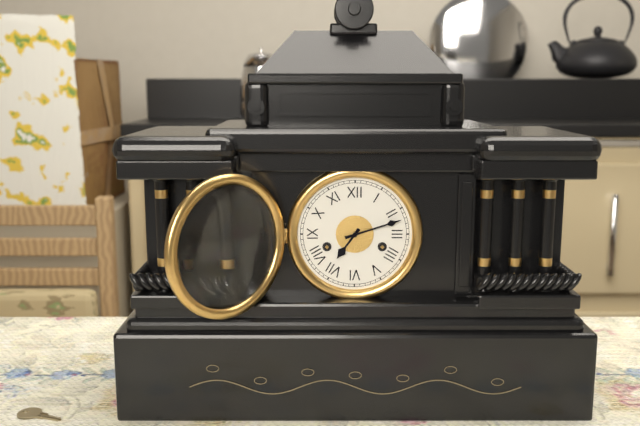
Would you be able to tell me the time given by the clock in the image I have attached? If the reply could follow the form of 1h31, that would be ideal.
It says 7h12
